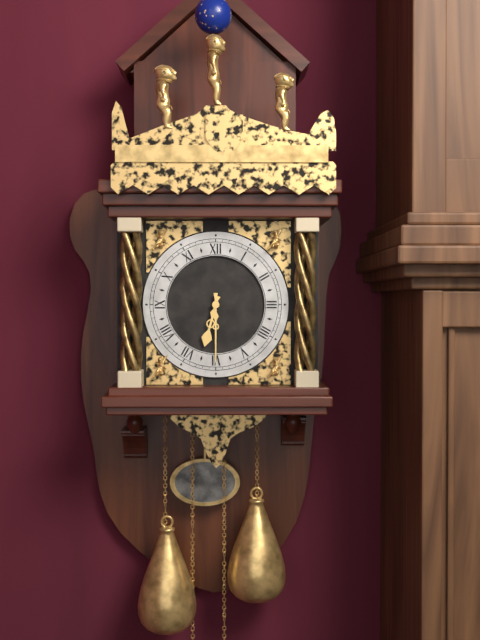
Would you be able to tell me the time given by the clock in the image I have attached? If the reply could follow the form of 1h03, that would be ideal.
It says 6h30
